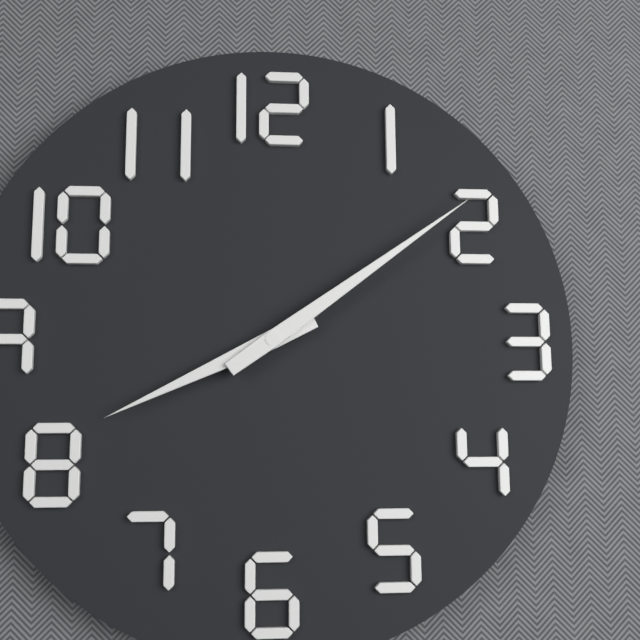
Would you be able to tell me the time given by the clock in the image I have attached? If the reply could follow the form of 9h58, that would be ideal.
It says 8h09
